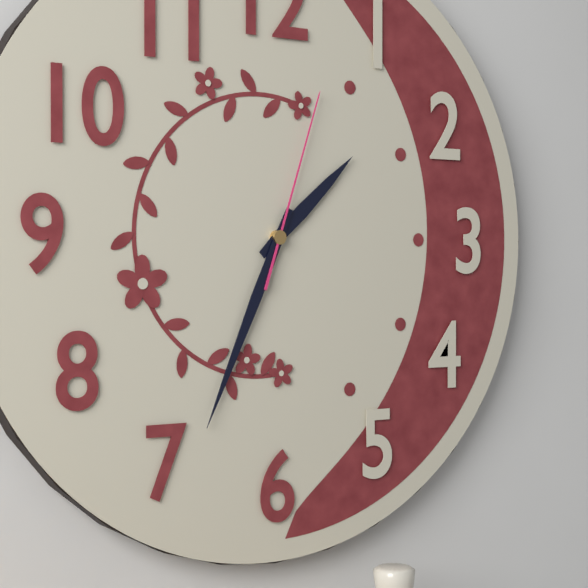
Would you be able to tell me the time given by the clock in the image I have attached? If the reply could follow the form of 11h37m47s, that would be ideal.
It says 1h34m03s
